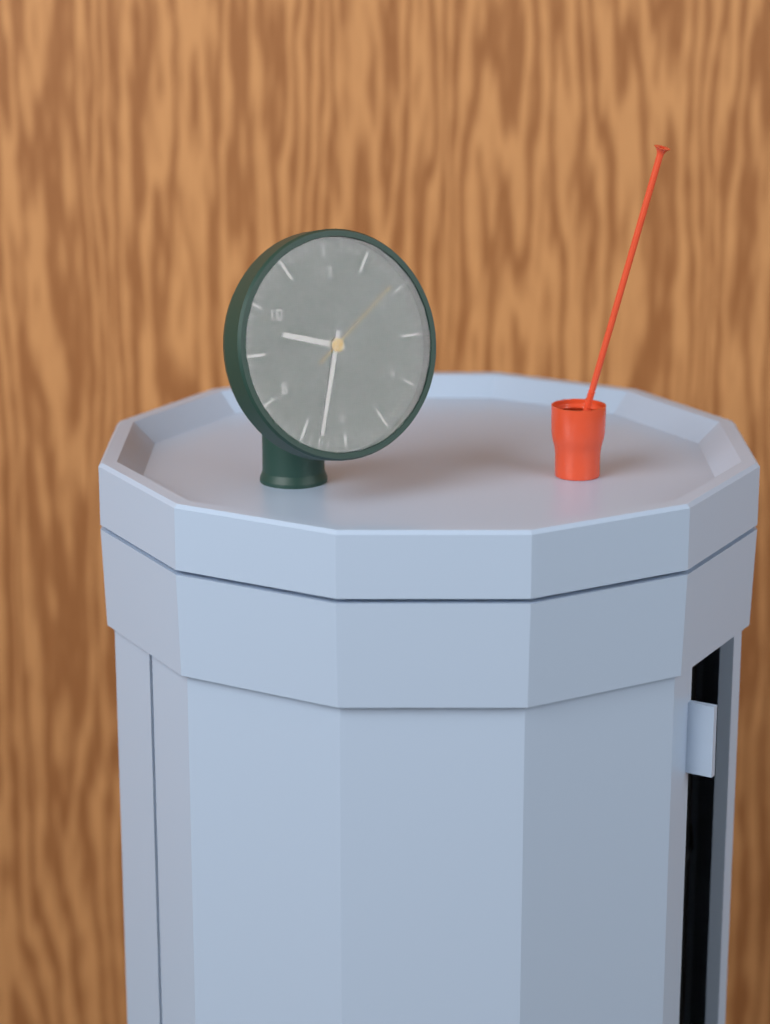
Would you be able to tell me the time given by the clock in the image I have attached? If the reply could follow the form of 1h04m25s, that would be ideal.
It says 9h33m09s
